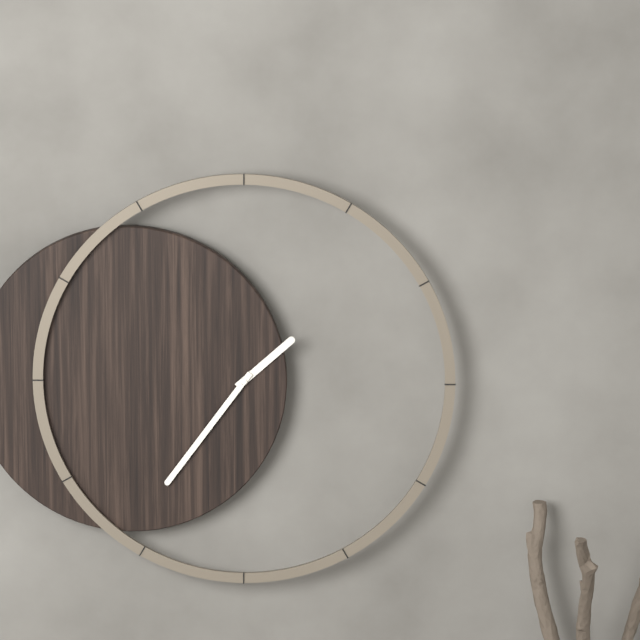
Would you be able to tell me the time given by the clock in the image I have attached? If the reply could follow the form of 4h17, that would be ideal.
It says 1h36
